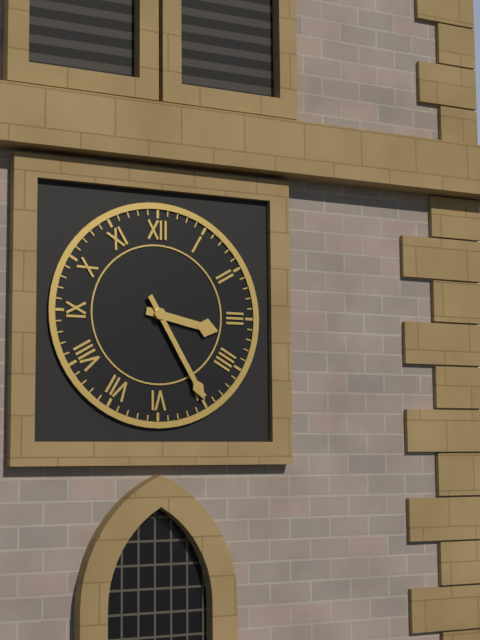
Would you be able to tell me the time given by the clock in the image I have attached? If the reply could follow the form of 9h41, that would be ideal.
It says 3h25
